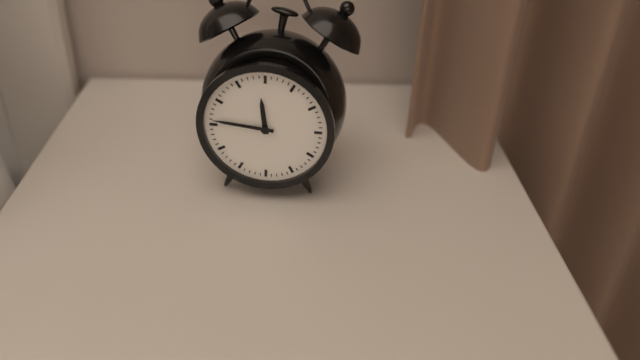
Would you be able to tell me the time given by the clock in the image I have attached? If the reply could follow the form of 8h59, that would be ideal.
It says 11h46
